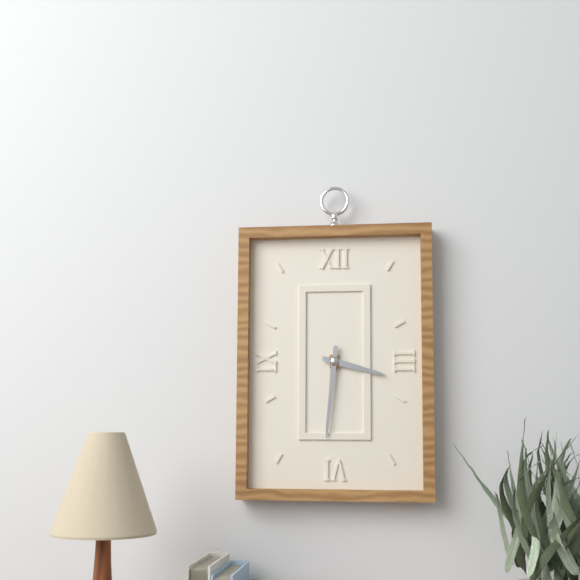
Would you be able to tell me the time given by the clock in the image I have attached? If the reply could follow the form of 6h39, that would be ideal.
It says 3h31
